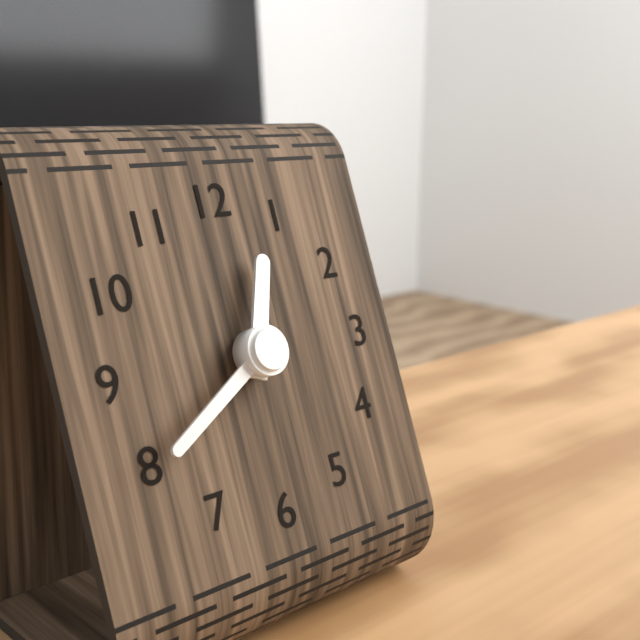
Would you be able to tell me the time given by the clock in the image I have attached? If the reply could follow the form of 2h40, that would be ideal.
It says 12h40
